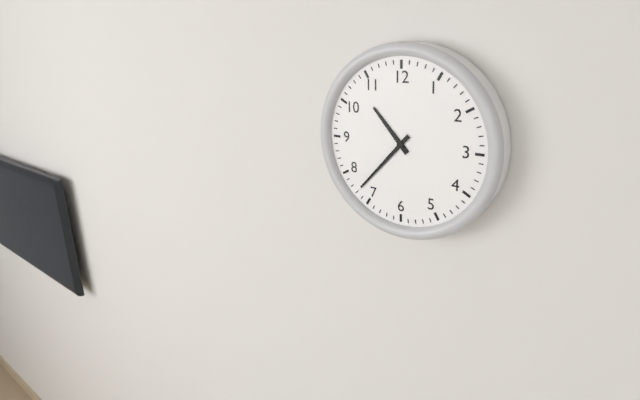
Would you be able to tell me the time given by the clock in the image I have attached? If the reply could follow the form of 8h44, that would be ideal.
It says 10h37
